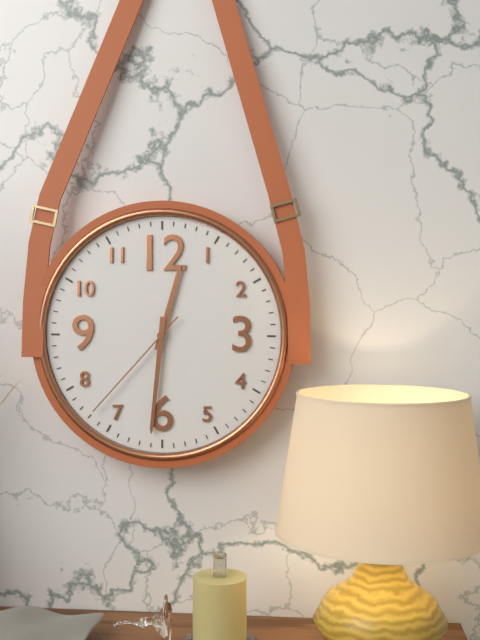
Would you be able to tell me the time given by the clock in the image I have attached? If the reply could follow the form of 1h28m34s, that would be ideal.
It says 12h31m37s
